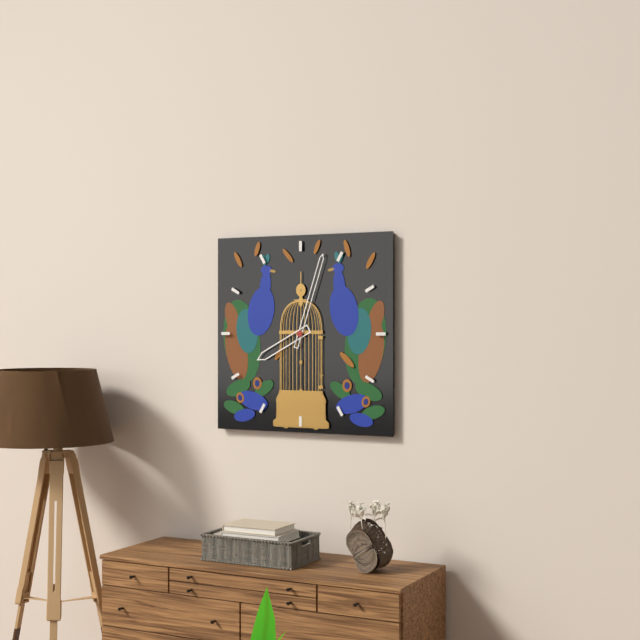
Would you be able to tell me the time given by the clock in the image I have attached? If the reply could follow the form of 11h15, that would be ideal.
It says 8h03
